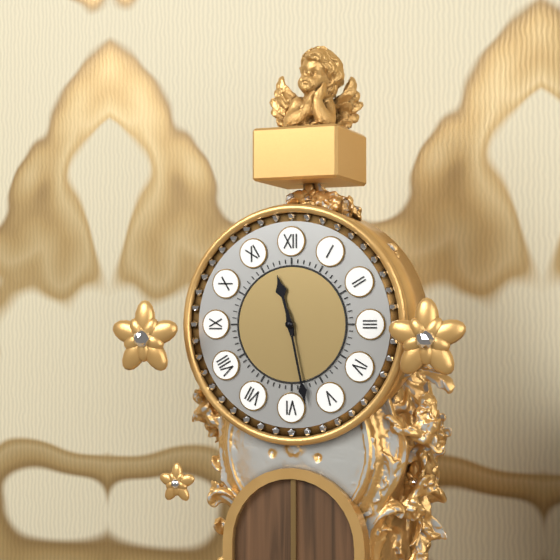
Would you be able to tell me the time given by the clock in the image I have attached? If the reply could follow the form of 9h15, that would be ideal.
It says 11h28
